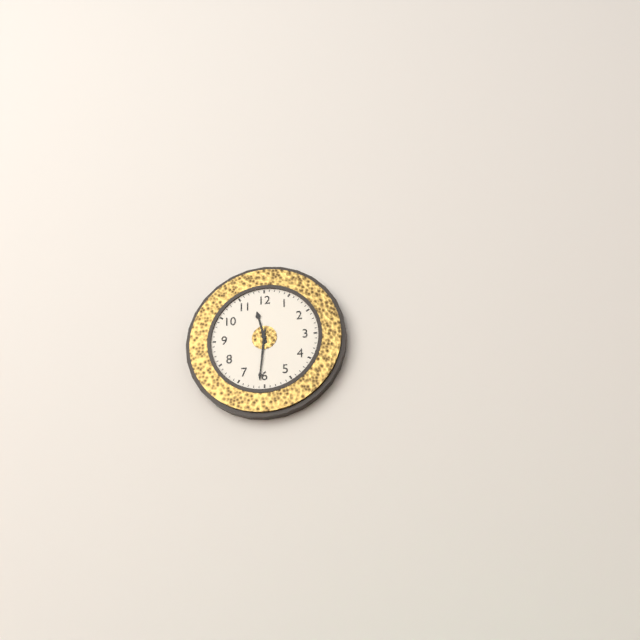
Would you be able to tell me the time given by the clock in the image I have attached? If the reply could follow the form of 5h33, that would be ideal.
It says 11h31
